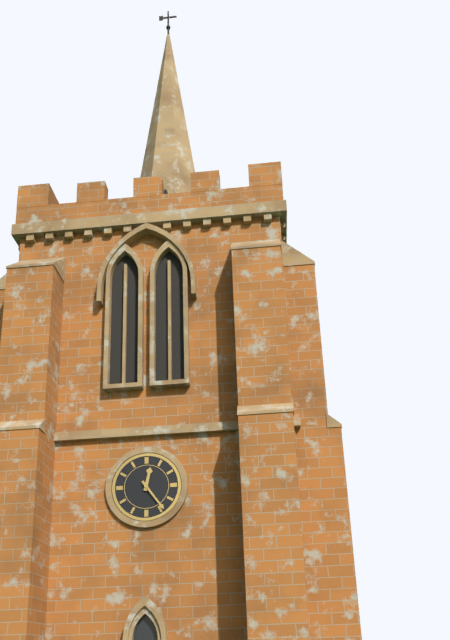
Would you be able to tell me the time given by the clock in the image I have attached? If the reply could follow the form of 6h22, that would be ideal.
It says 12h24
